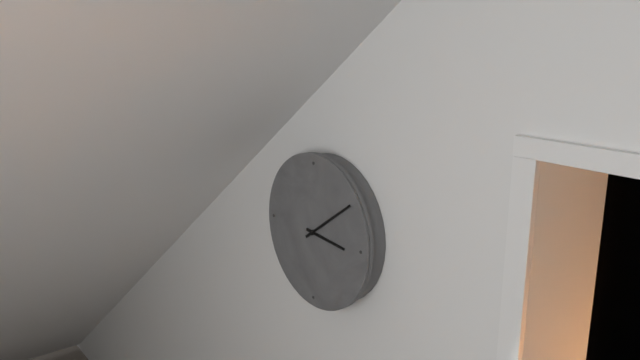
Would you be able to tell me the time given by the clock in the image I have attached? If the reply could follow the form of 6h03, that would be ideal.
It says 3h09
